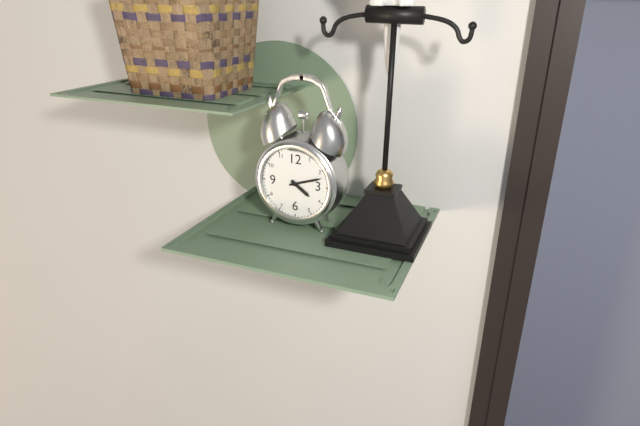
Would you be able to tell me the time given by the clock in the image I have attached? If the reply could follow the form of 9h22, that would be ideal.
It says 4h12
